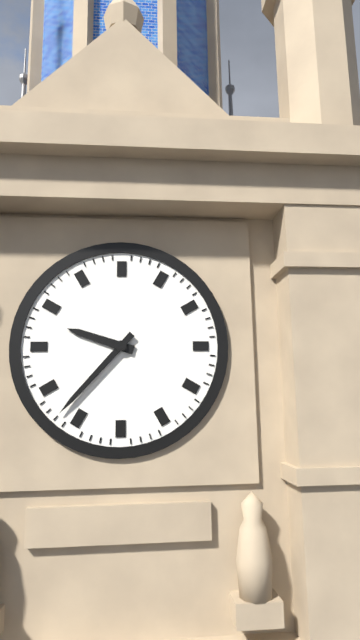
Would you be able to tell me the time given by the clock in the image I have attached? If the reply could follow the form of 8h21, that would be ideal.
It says 9h37
